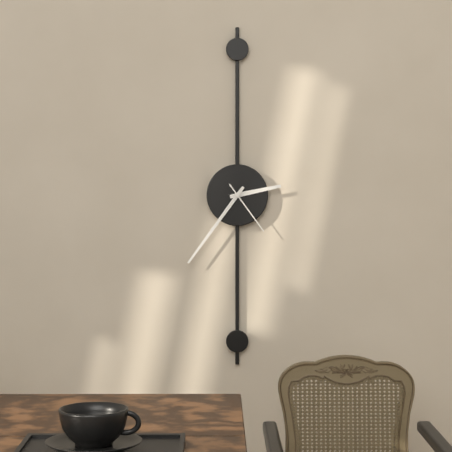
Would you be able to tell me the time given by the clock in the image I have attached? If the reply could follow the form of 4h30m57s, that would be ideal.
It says 2h36m24s
